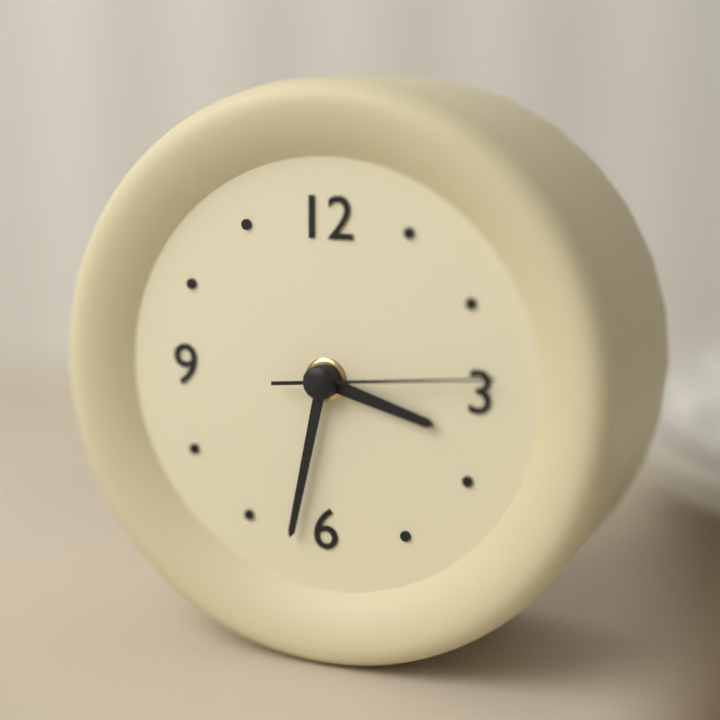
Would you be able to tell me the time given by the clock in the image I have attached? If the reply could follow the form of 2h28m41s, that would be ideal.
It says 3h32m14s
